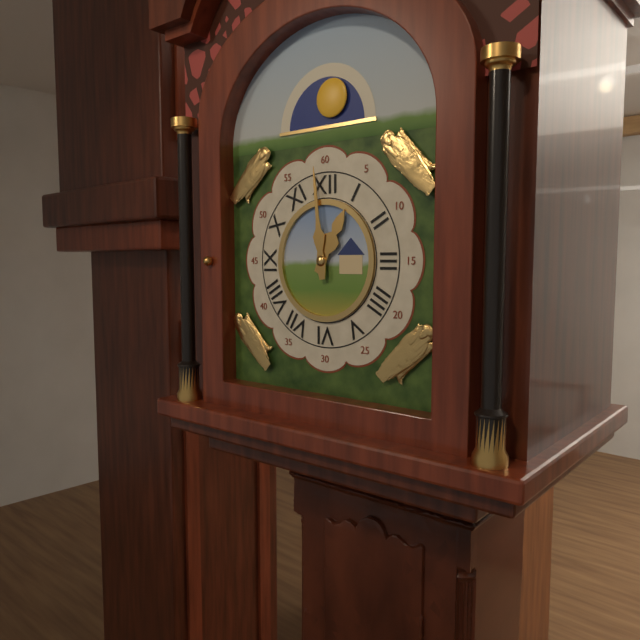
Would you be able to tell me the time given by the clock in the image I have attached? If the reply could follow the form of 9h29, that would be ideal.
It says 12h59
